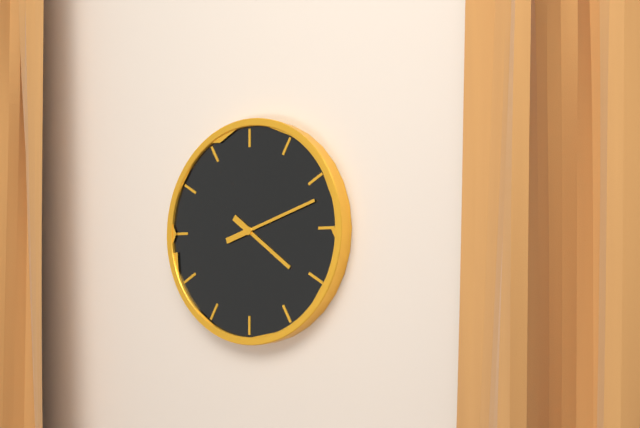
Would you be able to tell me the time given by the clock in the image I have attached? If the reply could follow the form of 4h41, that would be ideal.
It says 4h12
